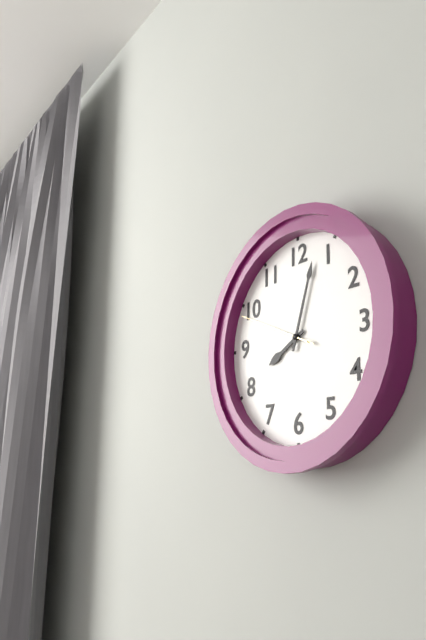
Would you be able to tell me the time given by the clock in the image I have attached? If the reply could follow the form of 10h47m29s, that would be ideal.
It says 8h03m49s
